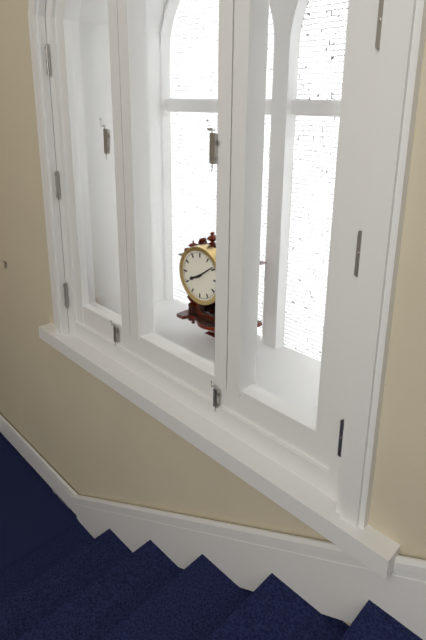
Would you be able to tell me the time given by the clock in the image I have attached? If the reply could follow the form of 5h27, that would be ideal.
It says 8h09
